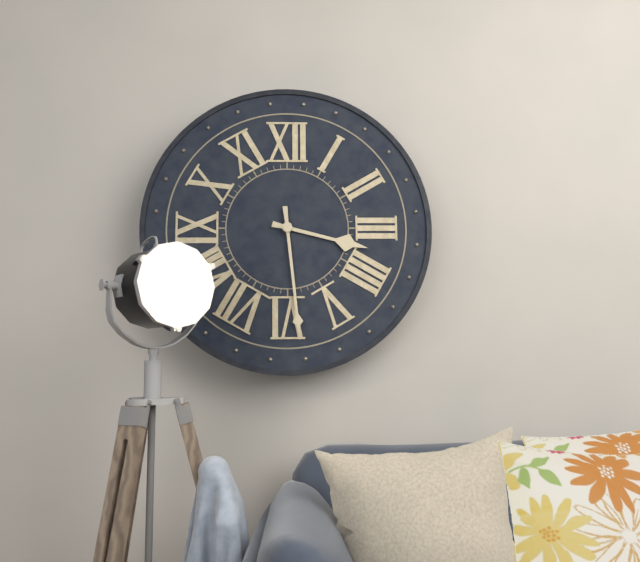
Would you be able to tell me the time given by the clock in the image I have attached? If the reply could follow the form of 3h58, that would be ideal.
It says 3h29
